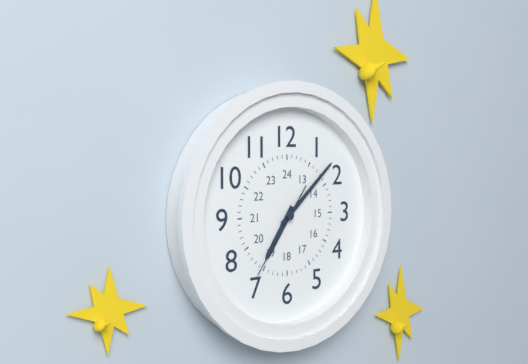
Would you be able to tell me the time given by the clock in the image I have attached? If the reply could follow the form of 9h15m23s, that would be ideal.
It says 7h08m36s
